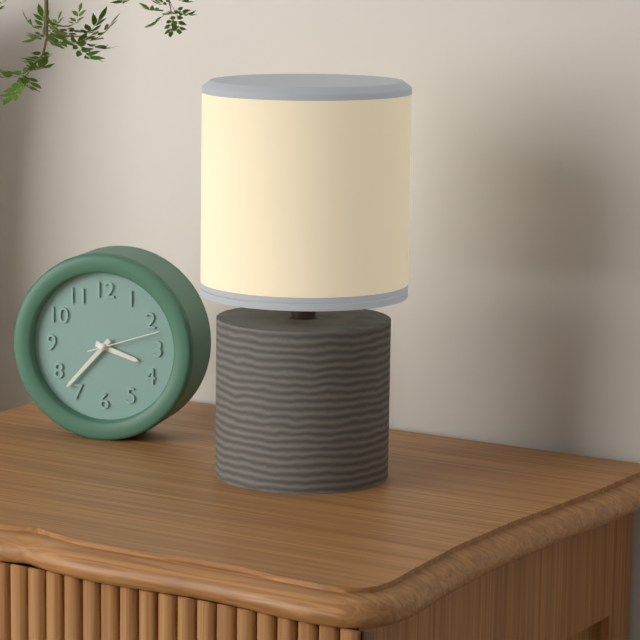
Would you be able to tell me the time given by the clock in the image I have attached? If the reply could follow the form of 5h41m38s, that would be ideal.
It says 3h37m12s
